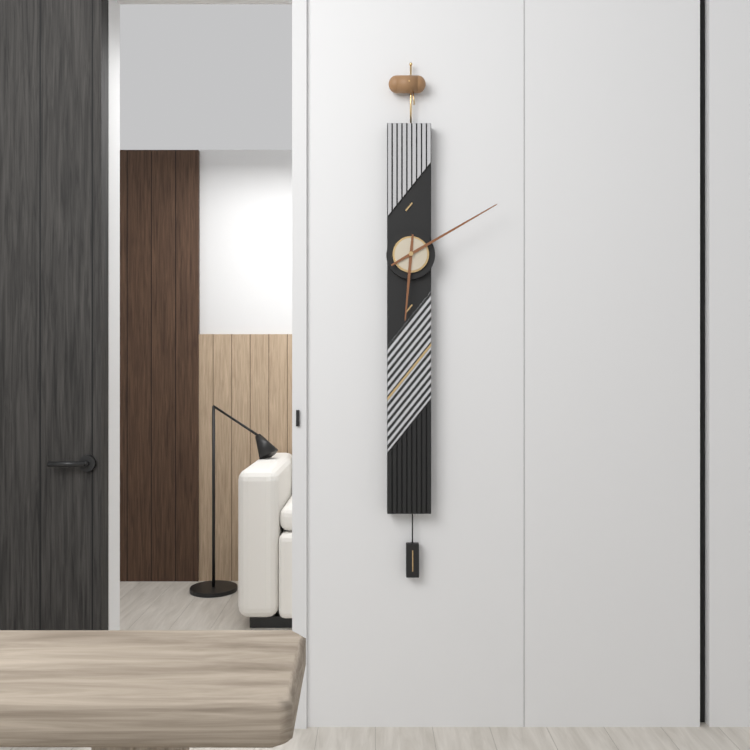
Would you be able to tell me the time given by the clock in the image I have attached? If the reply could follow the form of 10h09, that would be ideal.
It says 6h10
